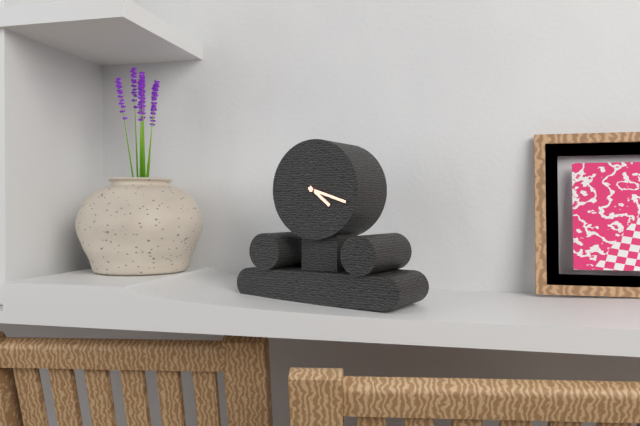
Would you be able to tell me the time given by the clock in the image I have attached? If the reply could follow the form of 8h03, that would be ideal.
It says 4h18
